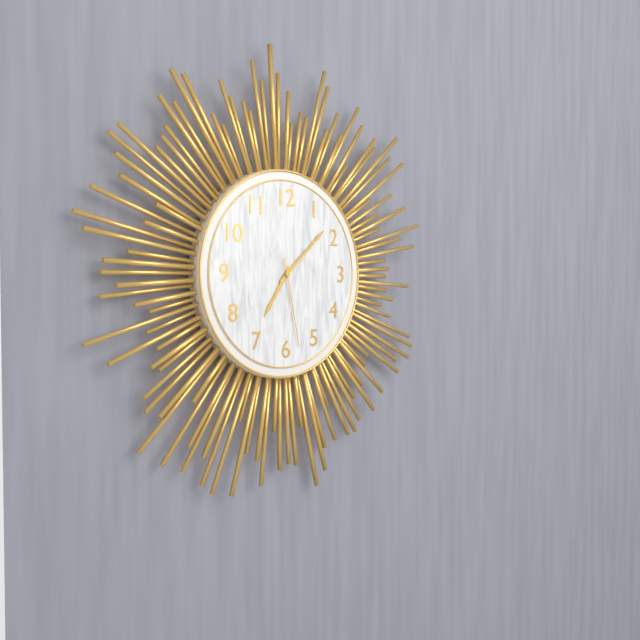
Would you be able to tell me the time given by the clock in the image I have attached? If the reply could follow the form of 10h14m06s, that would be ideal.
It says 7h08m28s
